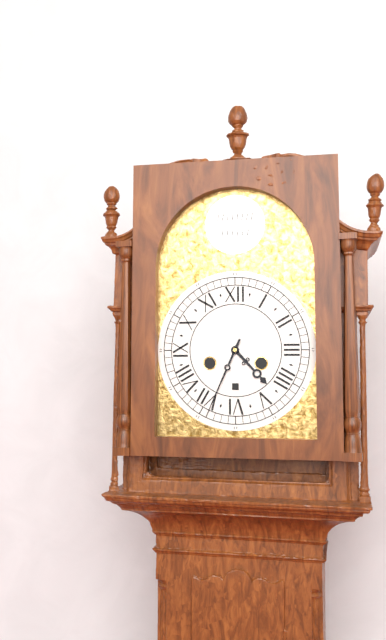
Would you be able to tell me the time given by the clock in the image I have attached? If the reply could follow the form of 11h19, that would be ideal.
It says 4h34
